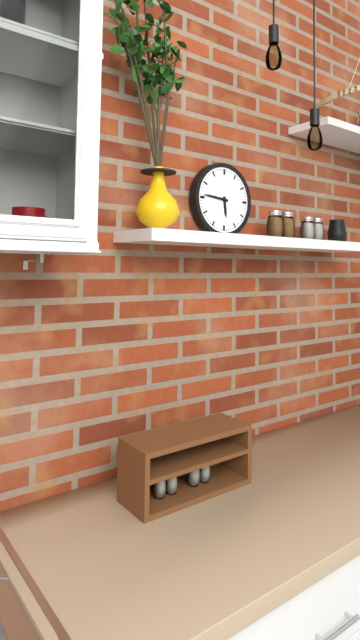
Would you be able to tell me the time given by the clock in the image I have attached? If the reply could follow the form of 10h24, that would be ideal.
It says 5h46
